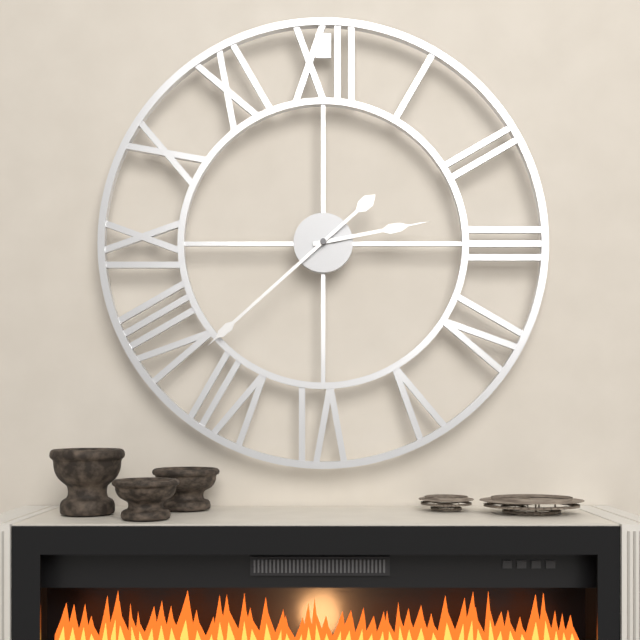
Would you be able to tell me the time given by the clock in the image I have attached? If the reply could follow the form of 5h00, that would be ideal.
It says 2h38
